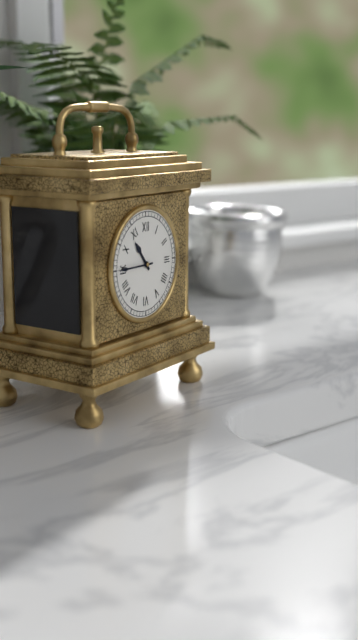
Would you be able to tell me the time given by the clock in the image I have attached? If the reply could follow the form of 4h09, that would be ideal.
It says 10h45
